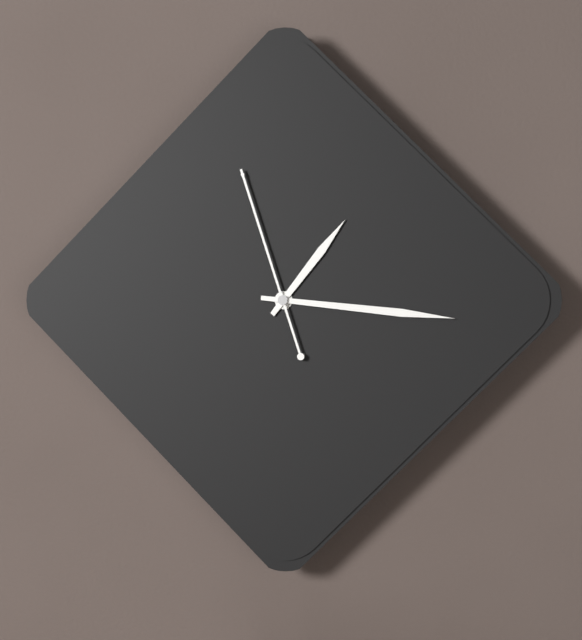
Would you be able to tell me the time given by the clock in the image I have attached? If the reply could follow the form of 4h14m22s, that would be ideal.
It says 1h16m57s
